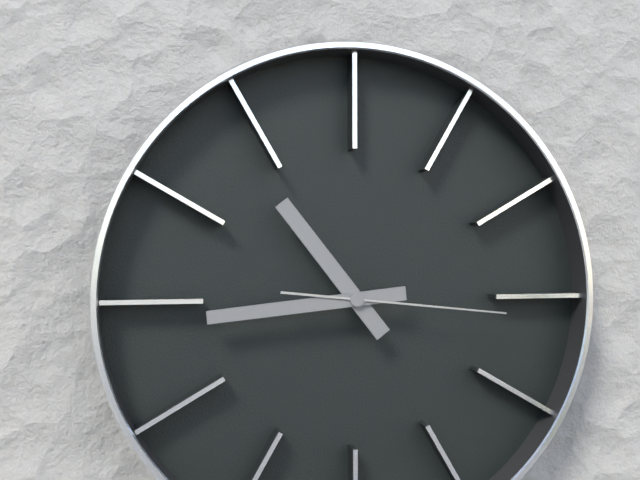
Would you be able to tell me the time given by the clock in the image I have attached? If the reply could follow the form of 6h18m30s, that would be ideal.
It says 10h44m16s
